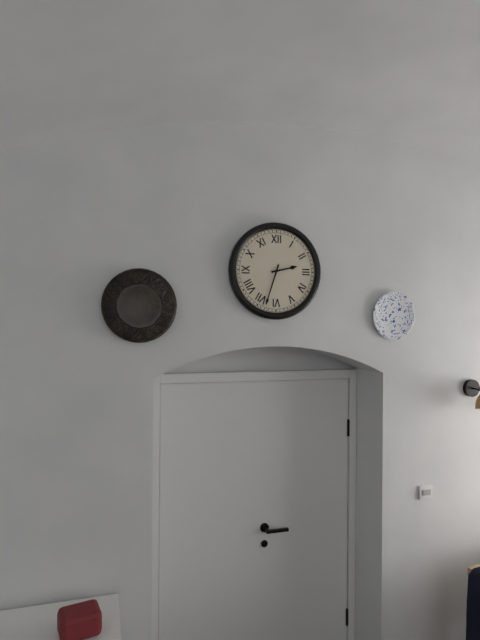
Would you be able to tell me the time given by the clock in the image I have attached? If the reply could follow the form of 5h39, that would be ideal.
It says 2h33
